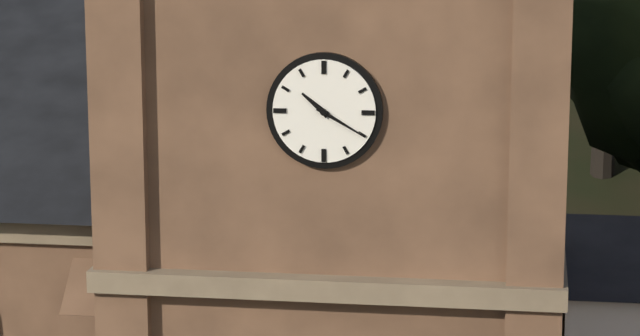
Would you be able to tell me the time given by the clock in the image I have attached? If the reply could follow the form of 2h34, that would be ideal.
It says 10h20
